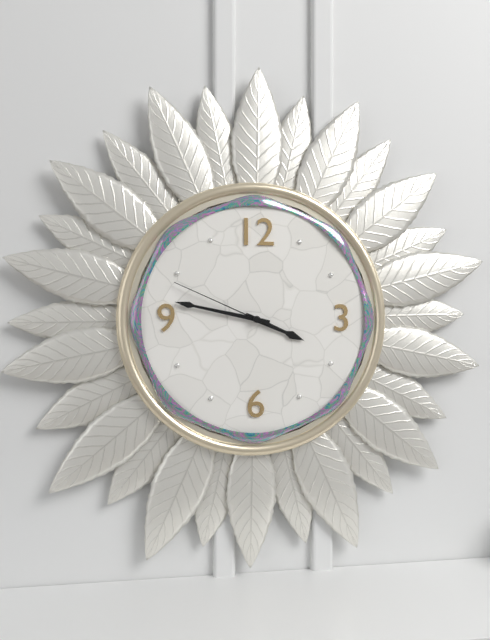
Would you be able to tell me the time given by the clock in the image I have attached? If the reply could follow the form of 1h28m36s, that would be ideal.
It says 3h47m49s
